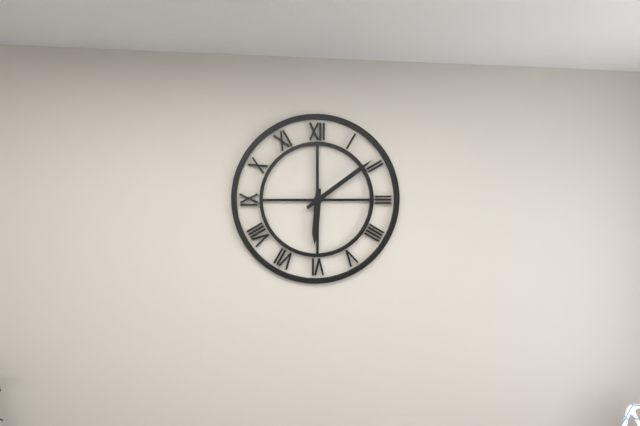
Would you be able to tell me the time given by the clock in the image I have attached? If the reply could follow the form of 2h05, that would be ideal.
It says 6h09
